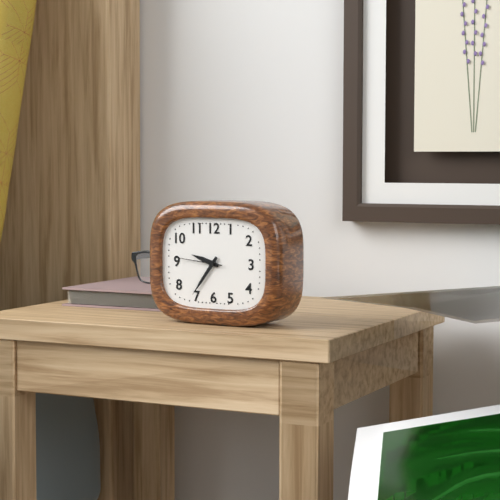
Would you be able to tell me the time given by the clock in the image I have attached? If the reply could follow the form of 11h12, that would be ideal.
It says 9h36
